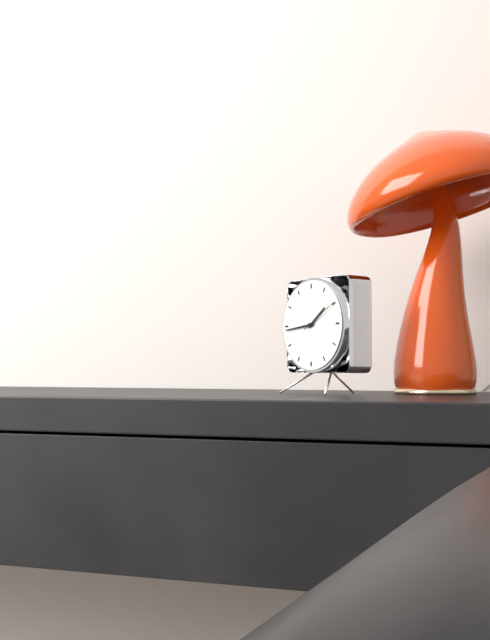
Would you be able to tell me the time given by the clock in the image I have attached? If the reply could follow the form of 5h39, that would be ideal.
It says 1h44
